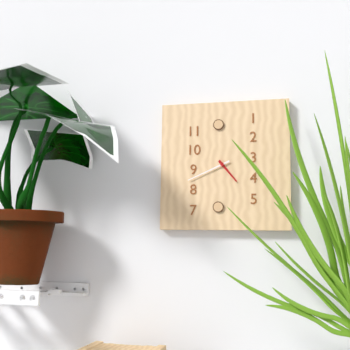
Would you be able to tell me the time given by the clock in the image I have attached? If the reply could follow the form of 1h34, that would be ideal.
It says 4h41
